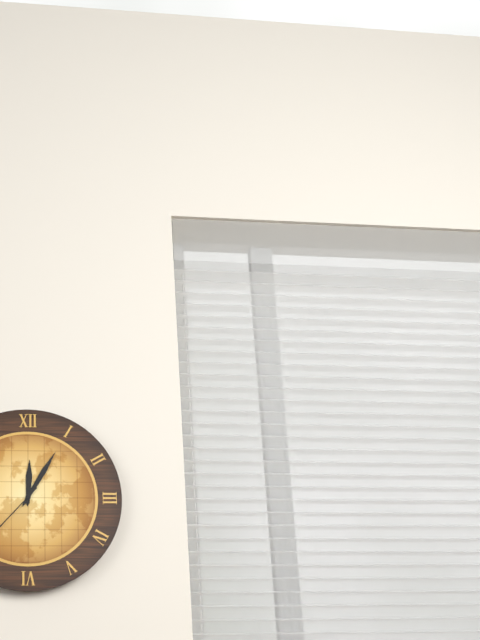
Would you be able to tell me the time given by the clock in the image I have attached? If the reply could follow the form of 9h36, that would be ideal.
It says 12h05
